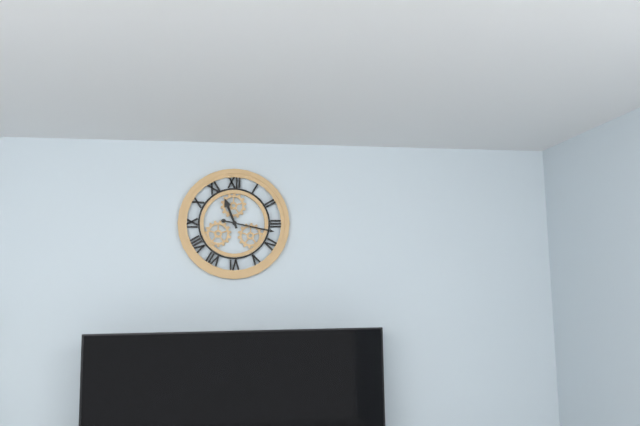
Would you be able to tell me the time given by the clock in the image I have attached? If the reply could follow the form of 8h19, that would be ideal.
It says 11h17
